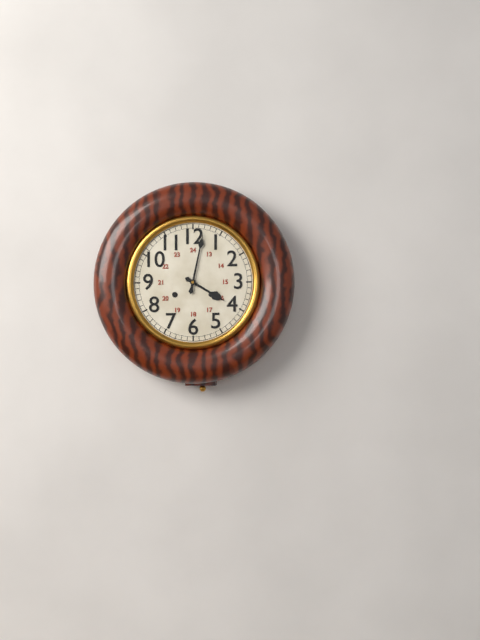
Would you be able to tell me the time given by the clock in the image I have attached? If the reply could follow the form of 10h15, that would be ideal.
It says 4h02
